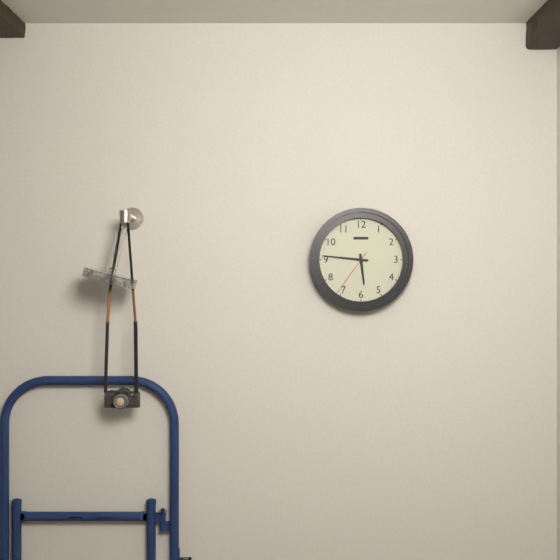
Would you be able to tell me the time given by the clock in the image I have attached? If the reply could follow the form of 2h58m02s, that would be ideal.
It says 5h46m36s
